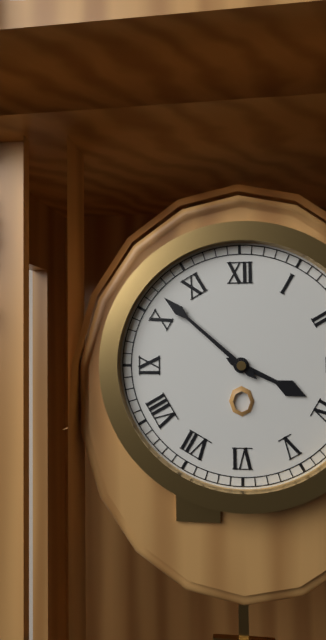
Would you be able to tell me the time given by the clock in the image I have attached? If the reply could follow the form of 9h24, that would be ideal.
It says 3h52
